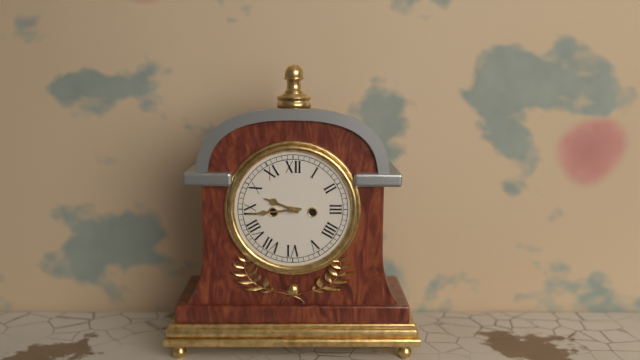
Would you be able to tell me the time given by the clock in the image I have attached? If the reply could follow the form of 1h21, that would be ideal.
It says 9h44
